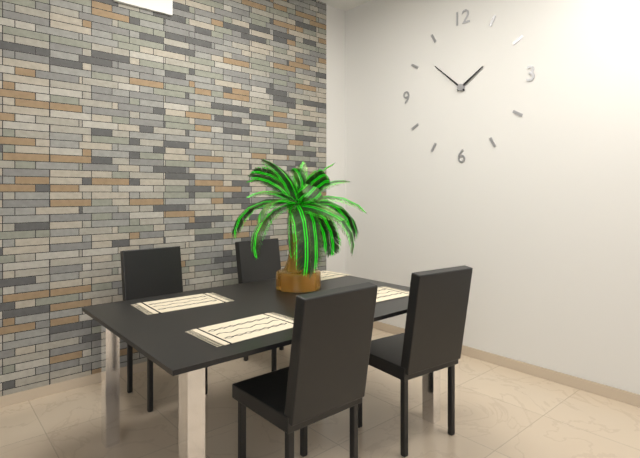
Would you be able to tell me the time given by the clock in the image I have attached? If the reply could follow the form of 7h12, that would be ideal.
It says 1h52
